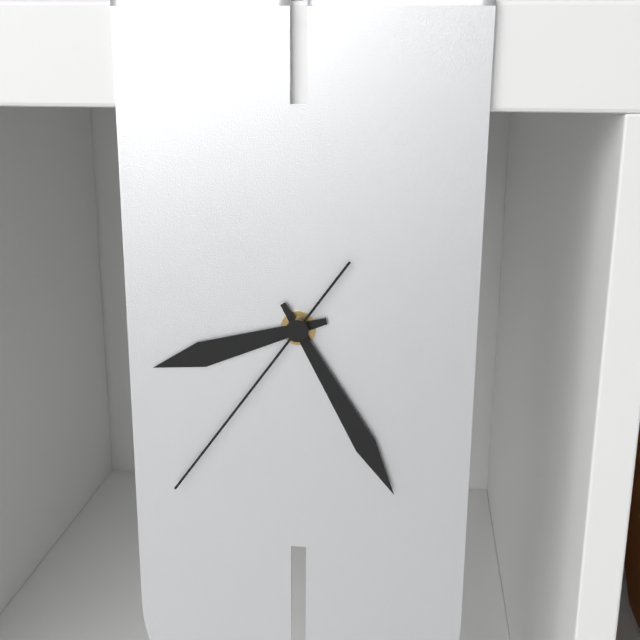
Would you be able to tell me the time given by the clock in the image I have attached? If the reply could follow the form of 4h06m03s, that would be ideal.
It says 8h25m36s
